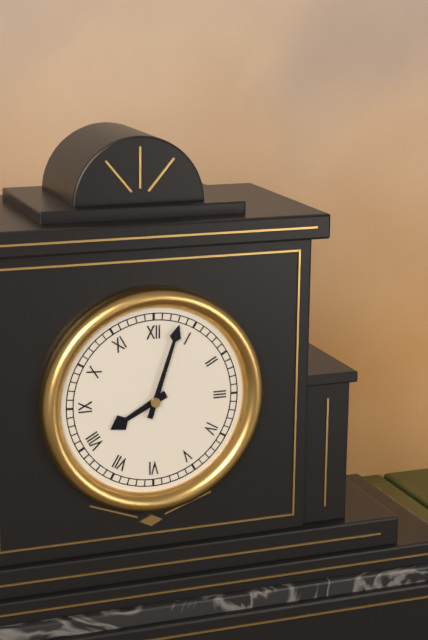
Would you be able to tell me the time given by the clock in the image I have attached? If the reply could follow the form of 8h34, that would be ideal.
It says 8h03
